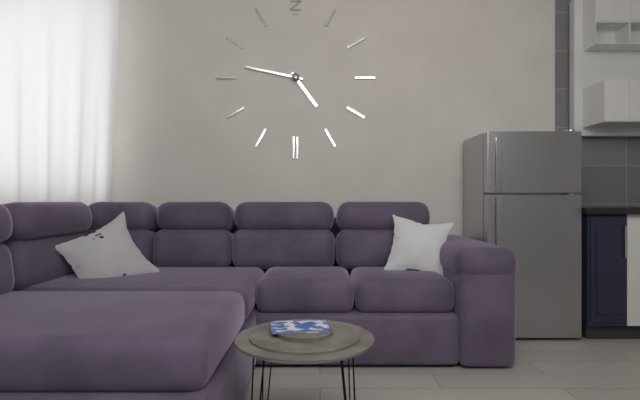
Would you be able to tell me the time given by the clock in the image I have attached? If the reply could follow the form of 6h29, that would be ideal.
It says 4h47
